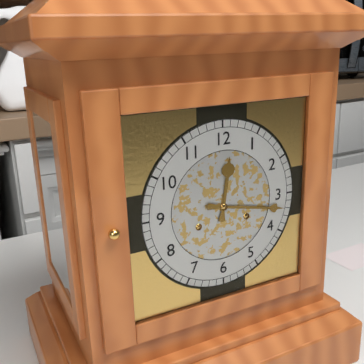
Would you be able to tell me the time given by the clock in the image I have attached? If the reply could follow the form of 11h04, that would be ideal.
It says 12h17
